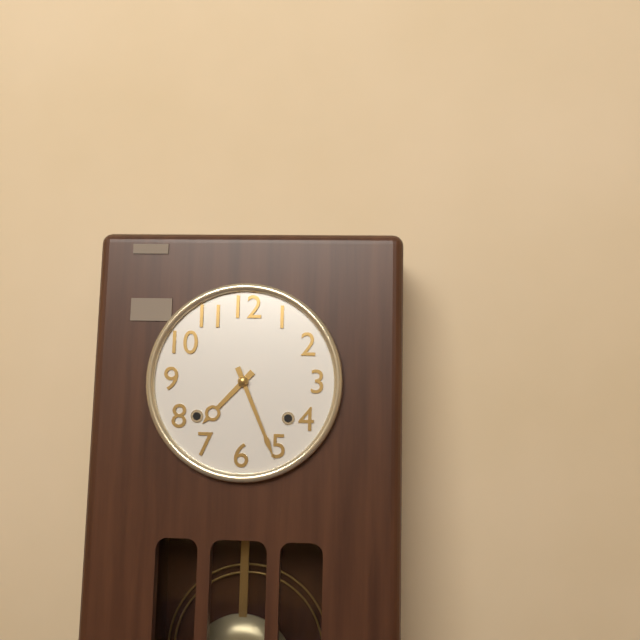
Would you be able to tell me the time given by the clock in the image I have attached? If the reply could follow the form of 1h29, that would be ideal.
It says 7h26
